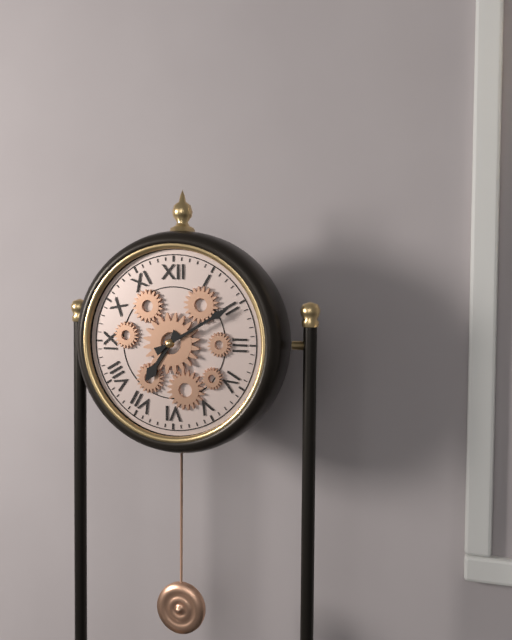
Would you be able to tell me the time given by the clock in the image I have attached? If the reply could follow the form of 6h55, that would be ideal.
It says 7h10
